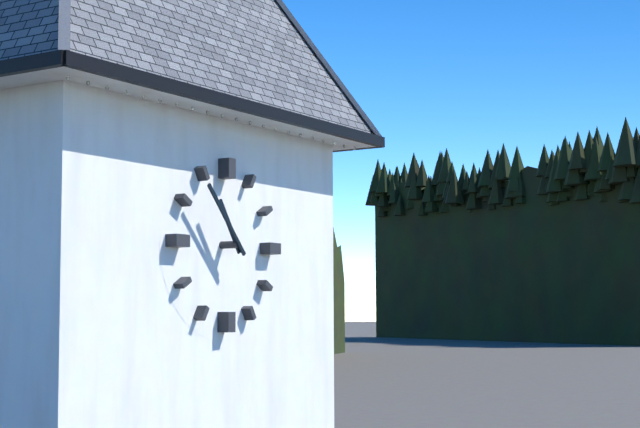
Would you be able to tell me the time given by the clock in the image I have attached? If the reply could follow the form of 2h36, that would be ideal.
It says 10h53
